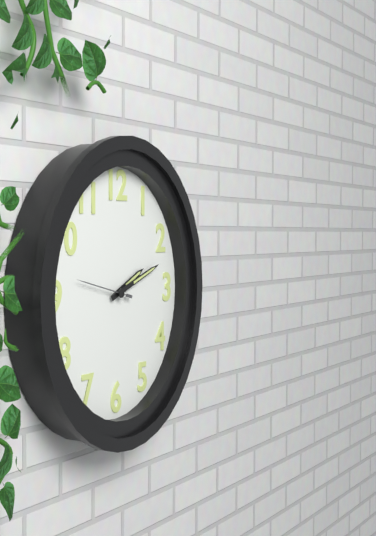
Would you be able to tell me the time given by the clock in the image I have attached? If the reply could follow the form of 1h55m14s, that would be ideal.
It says 2h12m47s
